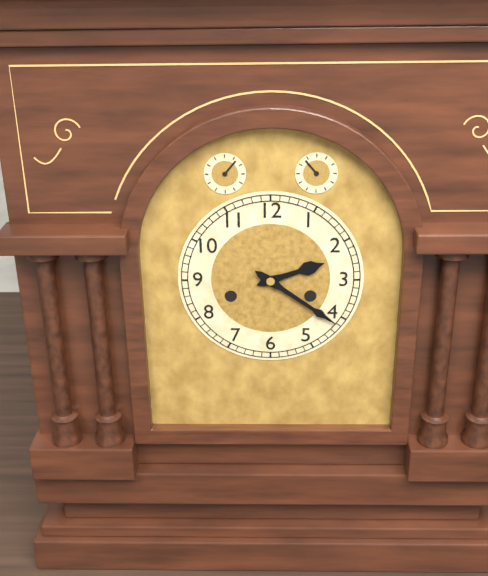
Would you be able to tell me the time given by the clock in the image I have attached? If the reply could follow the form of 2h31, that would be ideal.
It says 2h21
